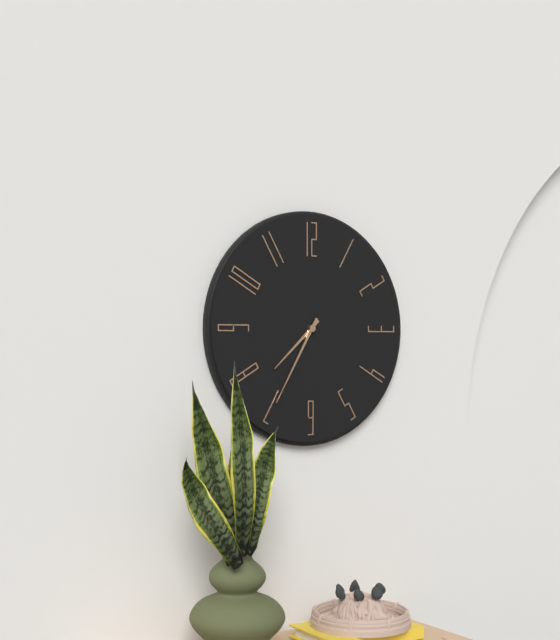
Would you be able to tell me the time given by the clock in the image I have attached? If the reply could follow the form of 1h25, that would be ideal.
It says 7h35
